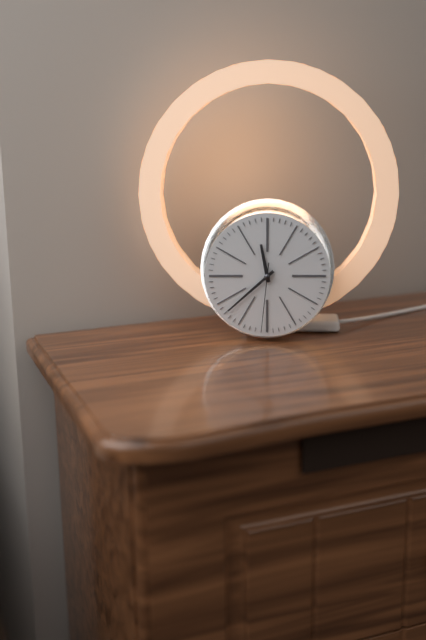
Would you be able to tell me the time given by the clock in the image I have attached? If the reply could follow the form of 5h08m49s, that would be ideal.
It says 11h38m31s
